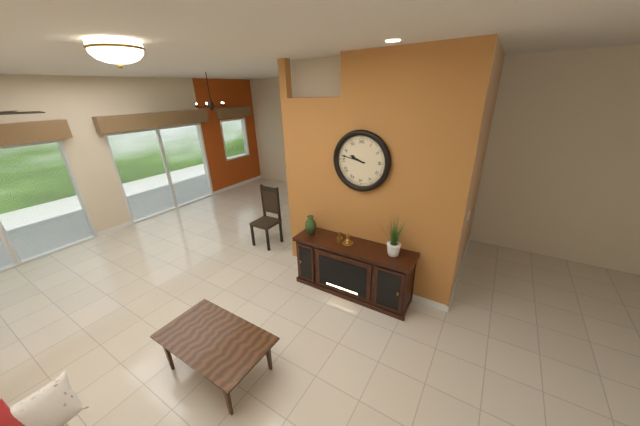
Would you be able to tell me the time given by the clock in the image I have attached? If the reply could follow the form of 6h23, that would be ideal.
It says 9h47
